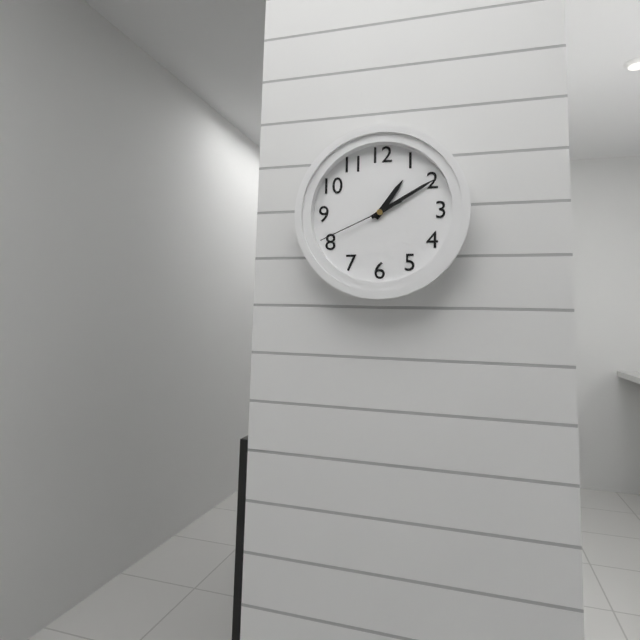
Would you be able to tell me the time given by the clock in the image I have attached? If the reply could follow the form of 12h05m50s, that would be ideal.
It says 1h10m41s
